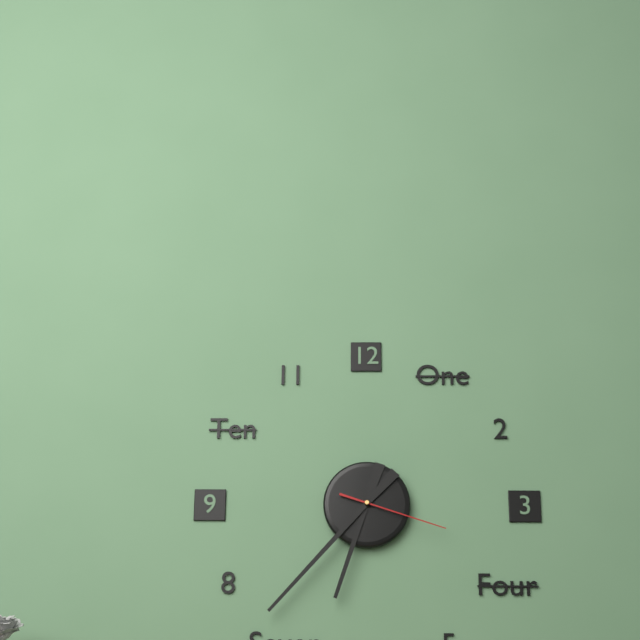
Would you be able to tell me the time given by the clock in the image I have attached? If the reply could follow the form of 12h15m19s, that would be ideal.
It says 6h37m18s
